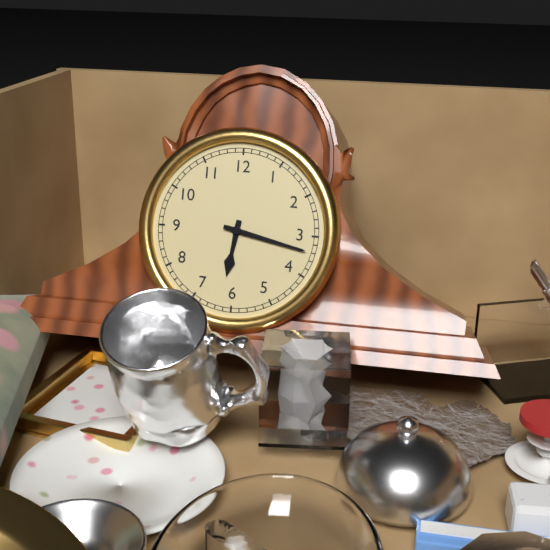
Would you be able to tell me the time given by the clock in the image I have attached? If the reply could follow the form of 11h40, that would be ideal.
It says 6h17
